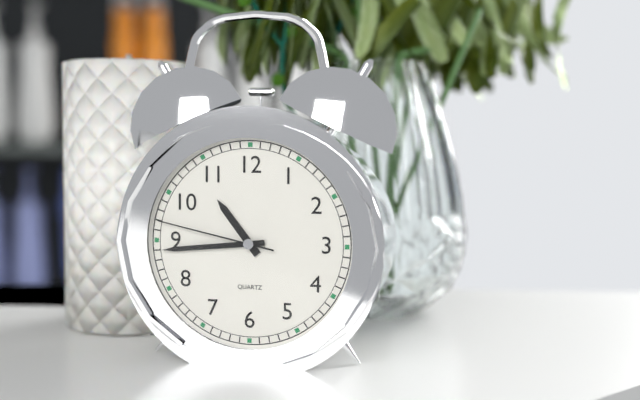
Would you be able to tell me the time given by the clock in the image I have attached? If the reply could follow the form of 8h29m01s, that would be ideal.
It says 10h44m47s
